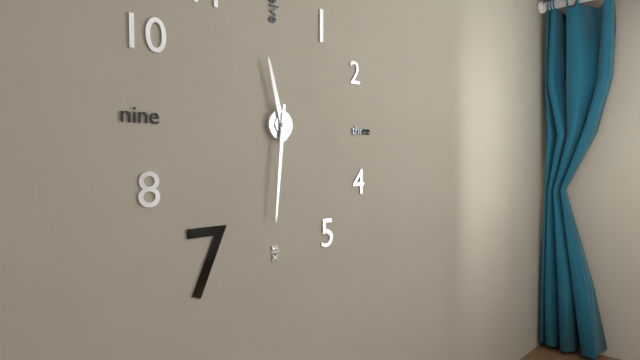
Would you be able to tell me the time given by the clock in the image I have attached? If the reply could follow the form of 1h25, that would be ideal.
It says 11h31
